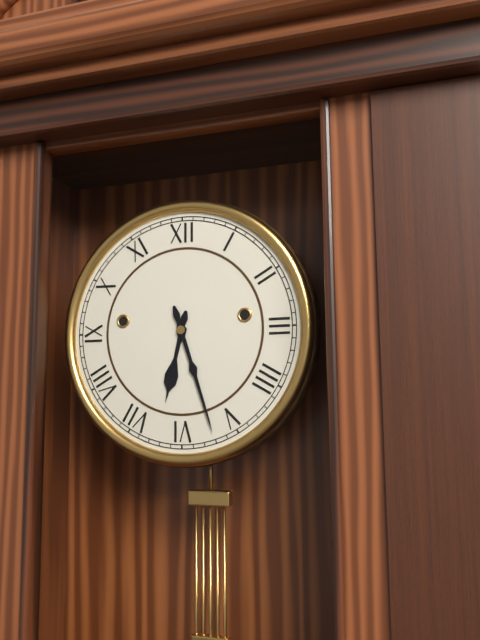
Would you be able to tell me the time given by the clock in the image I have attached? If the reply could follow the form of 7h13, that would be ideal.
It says 6h27
